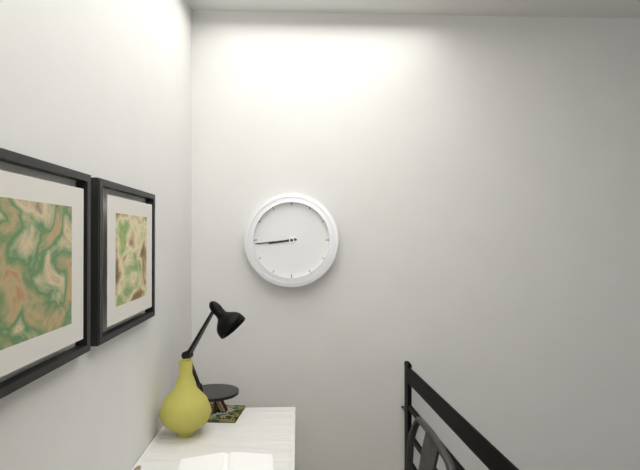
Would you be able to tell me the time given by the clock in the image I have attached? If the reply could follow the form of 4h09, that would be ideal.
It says 8h44
